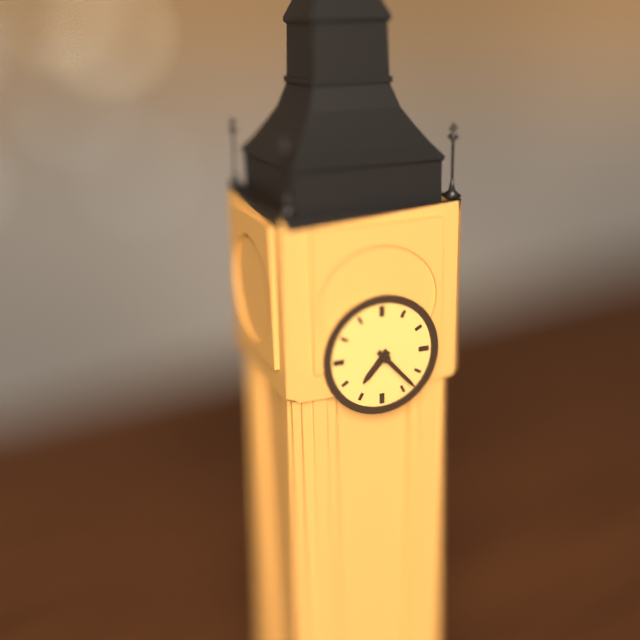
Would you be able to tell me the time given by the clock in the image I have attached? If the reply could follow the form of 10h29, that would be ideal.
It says 7h23
